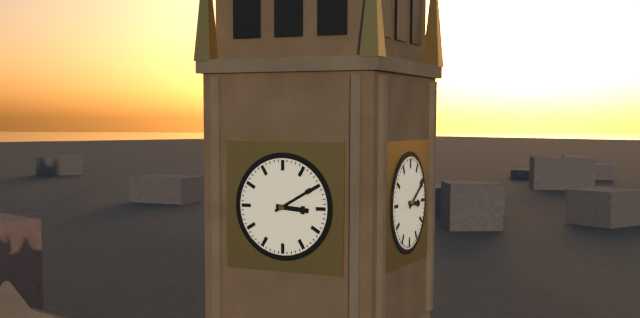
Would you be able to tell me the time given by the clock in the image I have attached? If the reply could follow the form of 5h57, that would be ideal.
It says 3h10
